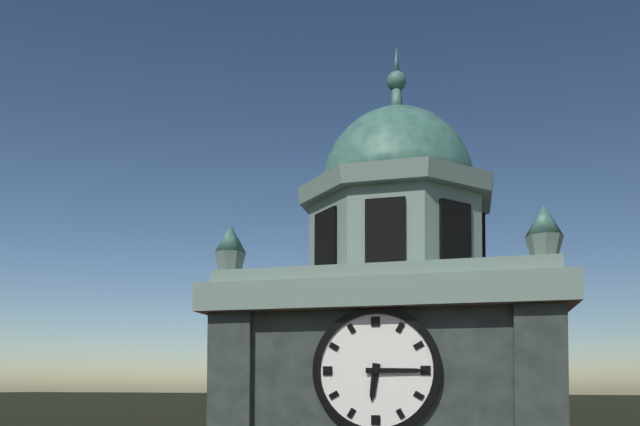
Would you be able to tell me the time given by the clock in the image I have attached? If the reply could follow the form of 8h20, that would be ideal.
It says 6h15
